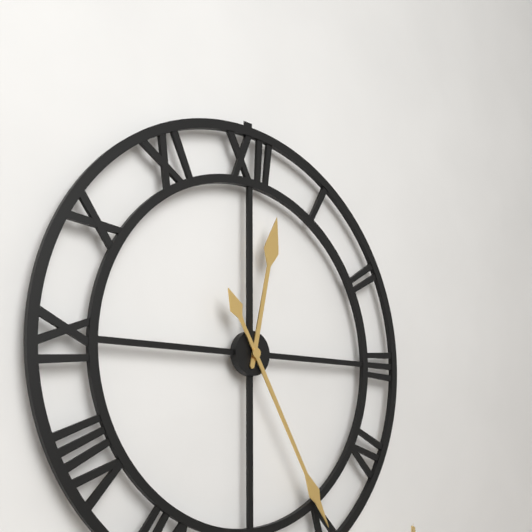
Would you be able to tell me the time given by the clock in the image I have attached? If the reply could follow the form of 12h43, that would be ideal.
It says 12h25
